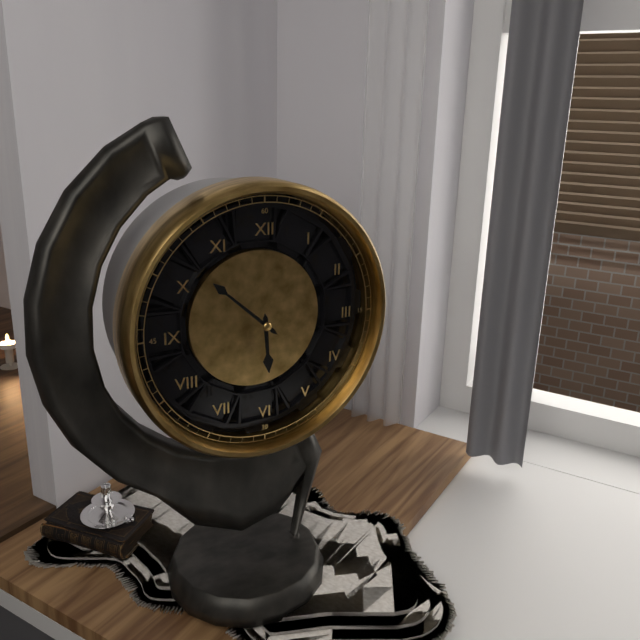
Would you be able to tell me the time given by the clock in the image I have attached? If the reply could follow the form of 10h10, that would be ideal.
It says 5h52
